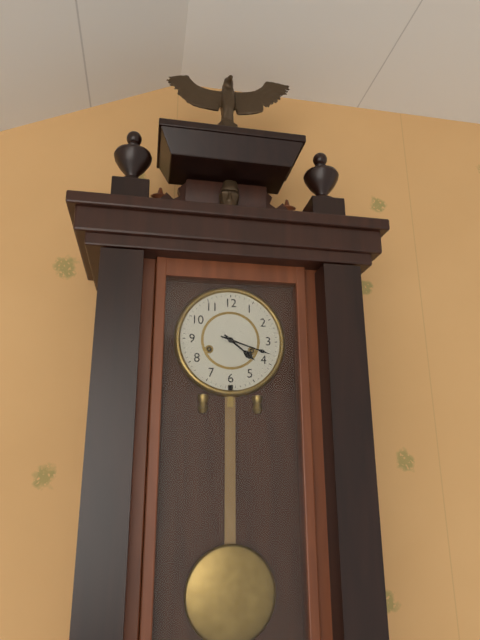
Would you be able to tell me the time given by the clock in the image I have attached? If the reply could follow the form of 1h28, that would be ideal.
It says 4h18
